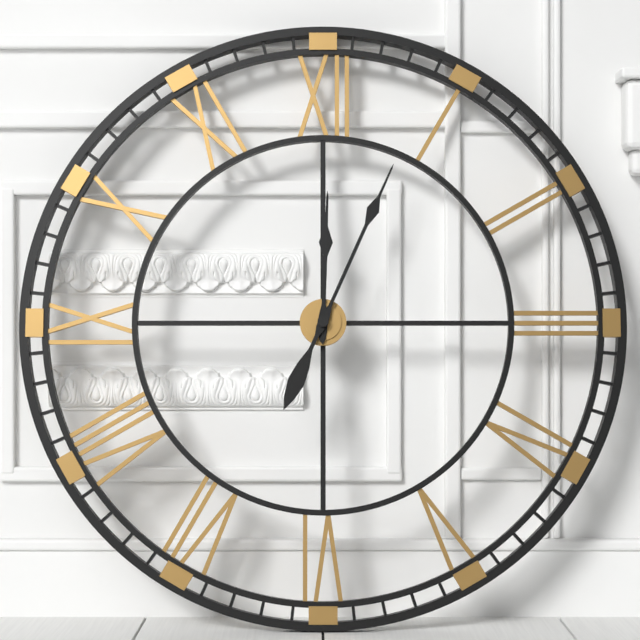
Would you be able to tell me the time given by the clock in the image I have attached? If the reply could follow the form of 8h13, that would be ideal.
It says 12h04
